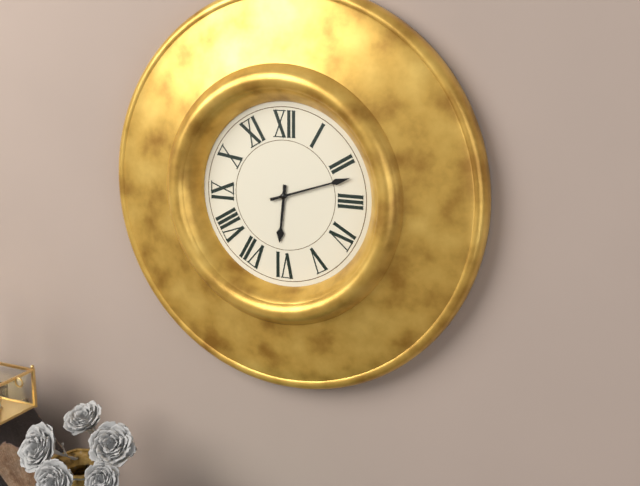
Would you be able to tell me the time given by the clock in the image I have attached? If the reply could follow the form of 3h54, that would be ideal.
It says 6h12
